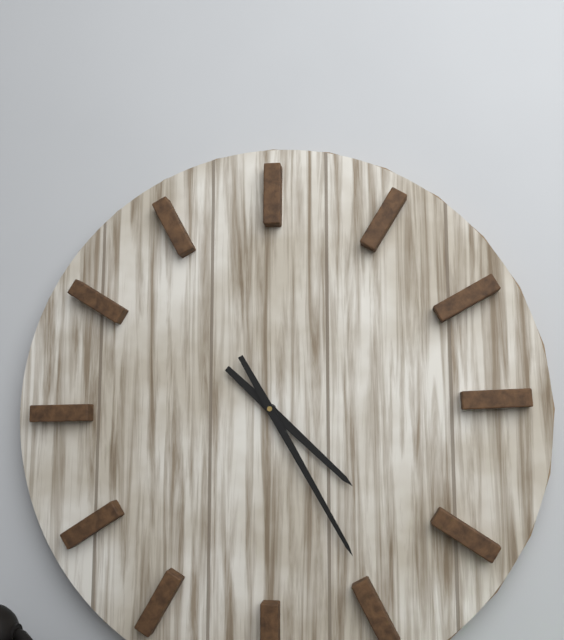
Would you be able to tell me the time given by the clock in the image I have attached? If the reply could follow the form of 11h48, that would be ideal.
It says 4h25
